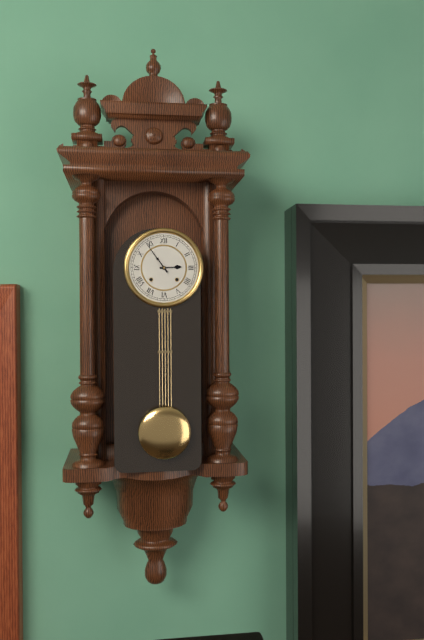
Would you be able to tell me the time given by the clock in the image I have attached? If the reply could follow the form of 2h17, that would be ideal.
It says 2h54
